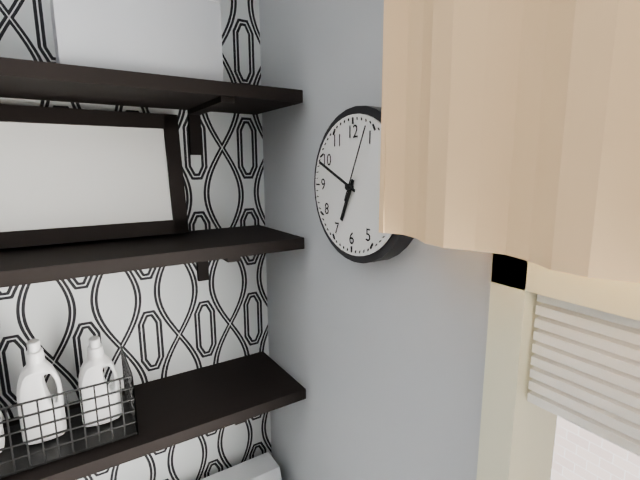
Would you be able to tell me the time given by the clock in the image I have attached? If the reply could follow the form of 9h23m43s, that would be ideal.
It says 6h49m04s
